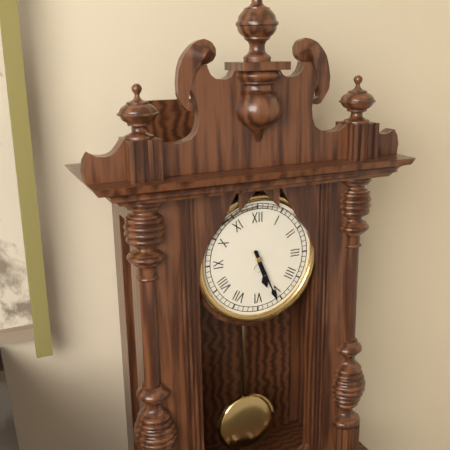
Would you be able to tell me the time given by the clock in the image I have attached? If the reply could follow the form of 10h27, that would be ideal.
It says 5h26
